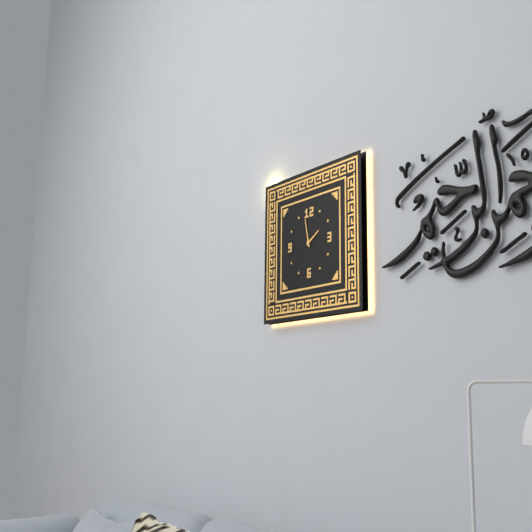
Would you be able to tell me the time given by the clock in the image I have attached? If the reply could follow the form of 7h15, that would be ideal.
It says 1h58
